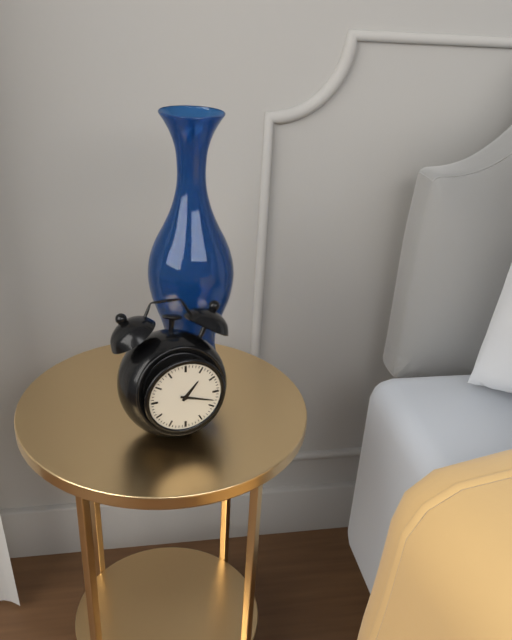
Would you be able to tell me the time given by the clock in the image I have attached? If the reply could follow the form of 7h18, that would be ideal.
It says 1h18
